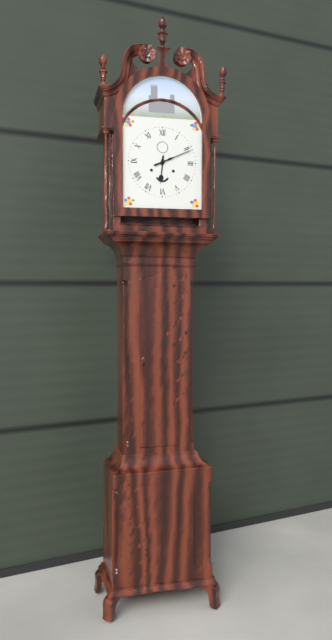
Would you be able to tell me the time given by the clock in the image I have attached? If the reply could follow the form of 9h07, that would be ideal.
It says 6h11
